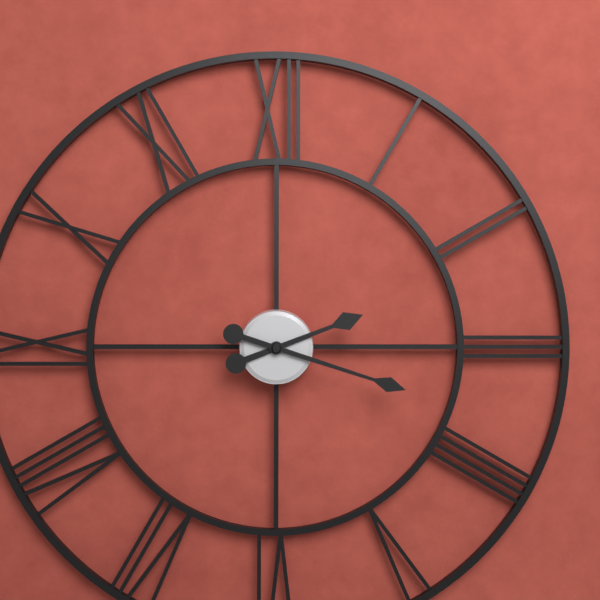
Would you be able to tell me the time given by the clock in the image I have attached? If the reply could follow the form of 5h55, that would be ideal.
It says 2h18
